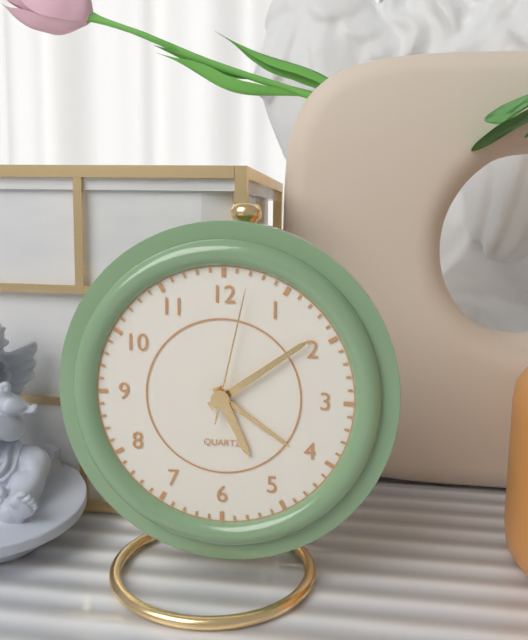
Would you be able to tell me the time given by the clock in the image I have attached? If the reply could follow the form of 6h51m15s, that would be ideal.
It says 5h09m02s
